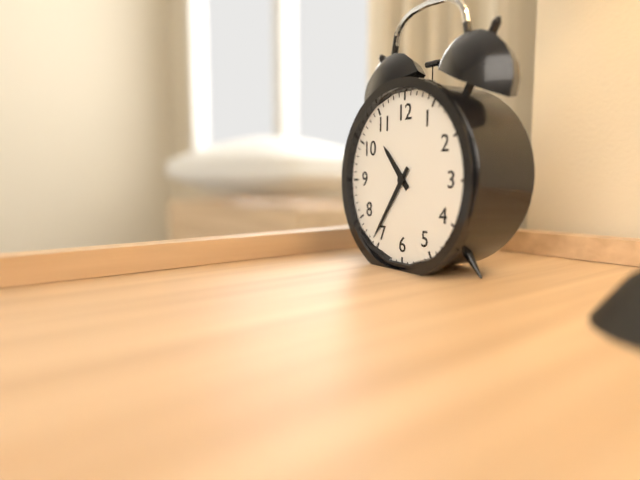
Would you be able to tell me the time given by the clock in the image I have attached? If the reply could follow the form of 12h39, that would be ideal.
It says 10h36
